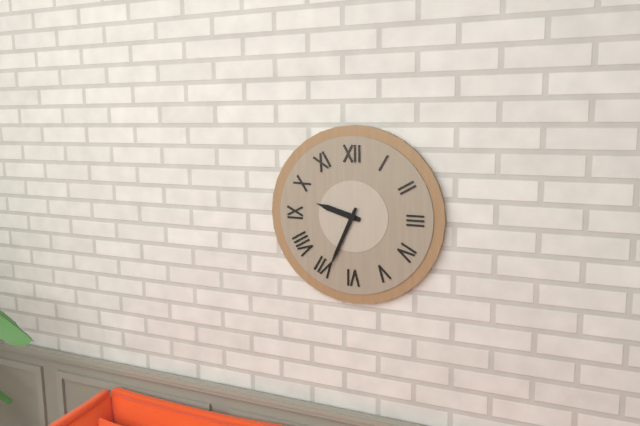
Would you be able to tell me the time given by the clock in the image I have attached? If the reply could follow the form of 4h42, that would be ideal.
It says 9h34
